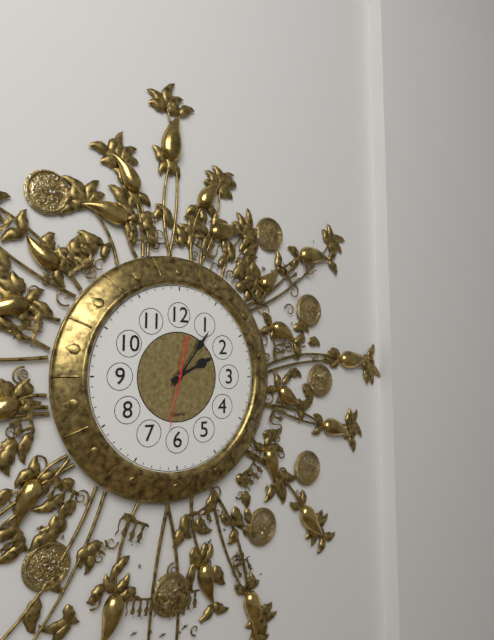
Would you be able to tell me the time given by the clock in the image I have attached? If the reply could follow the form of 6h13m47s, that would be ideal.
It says 2h06m32s
